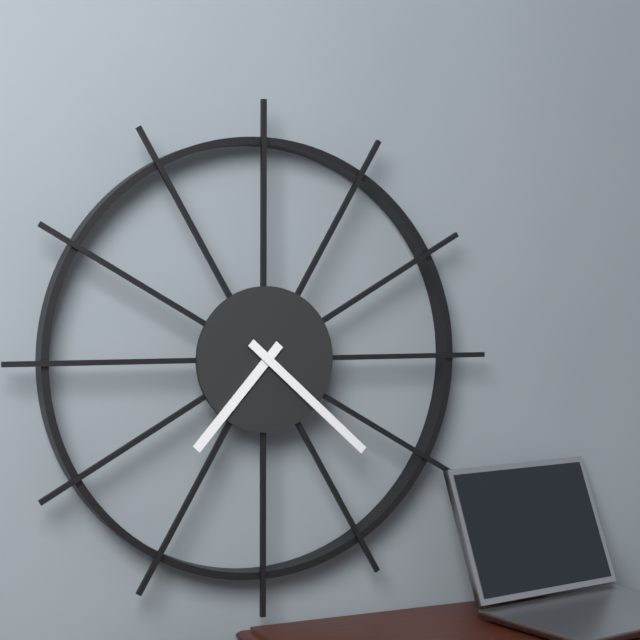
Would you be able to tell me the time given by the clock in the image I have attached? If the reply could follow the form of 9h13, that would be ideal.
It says 7h22
